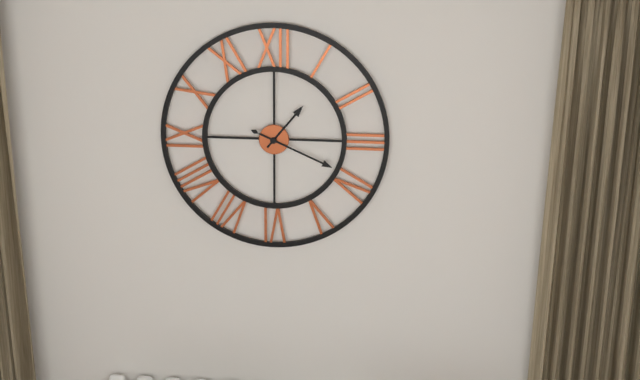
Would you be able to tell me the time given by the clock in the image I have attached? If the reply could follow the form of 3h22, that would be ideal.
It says 1h19
